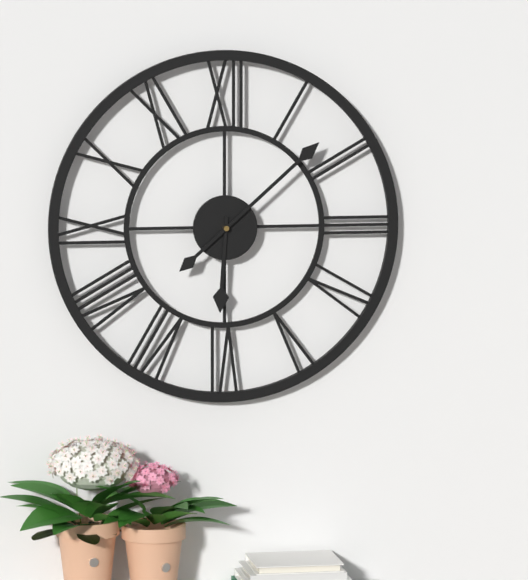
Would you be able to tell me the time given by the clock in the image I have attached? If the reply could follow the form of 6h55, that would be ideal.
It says 6h08
